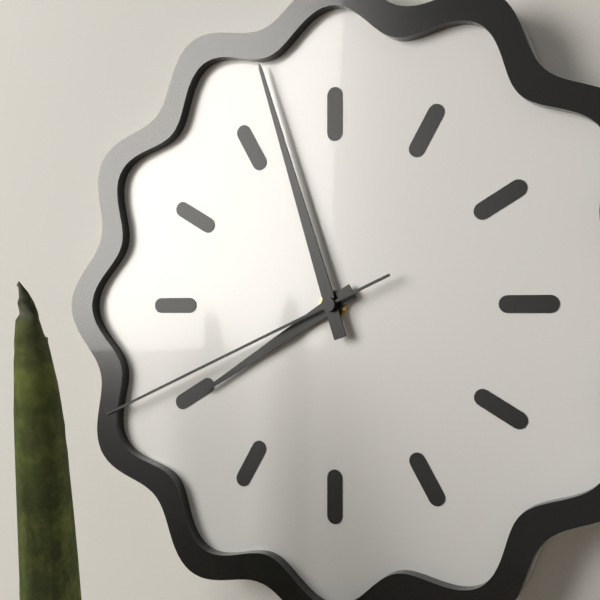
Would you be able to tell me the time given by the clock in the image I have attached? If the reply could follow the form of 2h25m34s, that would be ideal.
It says 7h57m41s
